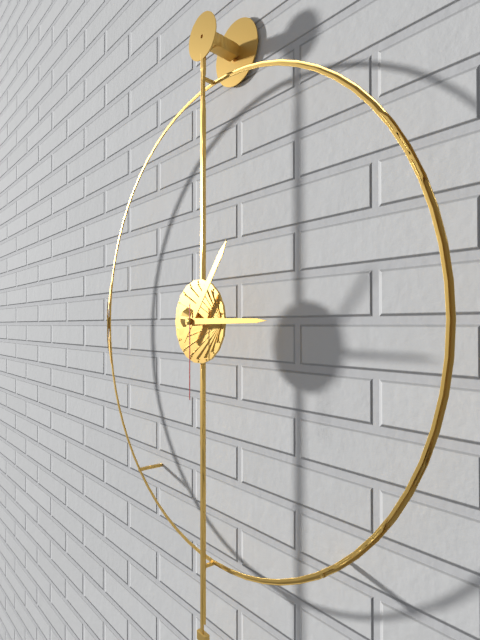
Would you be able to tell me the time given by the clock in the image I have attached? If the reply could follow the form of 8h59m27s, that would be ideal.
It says 1h15m30s
